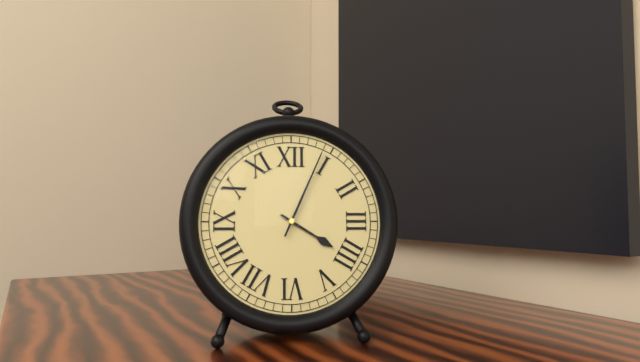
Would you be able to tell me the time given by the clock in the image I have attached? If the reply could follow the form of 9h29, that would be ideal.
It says 4h04
